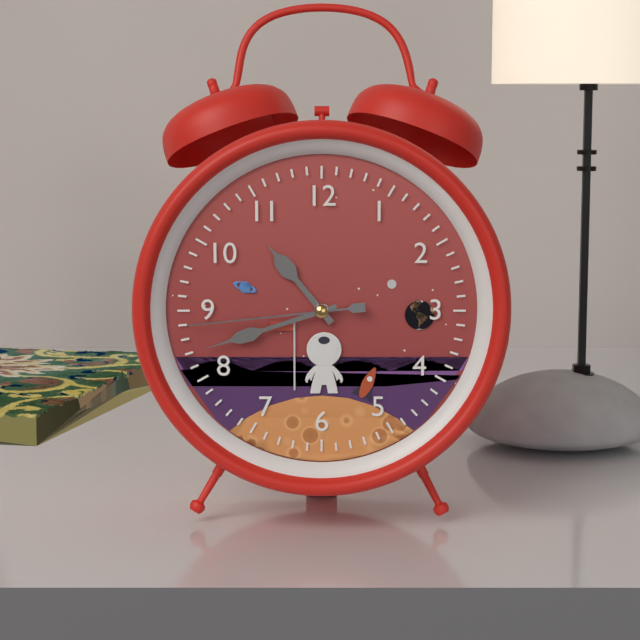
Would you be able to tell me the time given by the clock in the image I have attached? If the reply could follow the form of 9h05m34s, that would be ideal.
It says 10h42m44s
